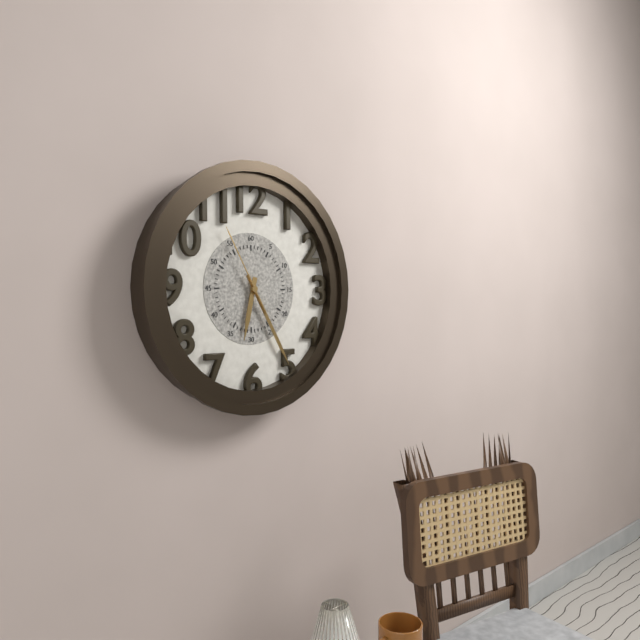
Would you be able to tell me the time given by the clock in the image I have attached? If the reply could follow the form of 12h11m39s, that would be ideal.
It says 6h25m55s
